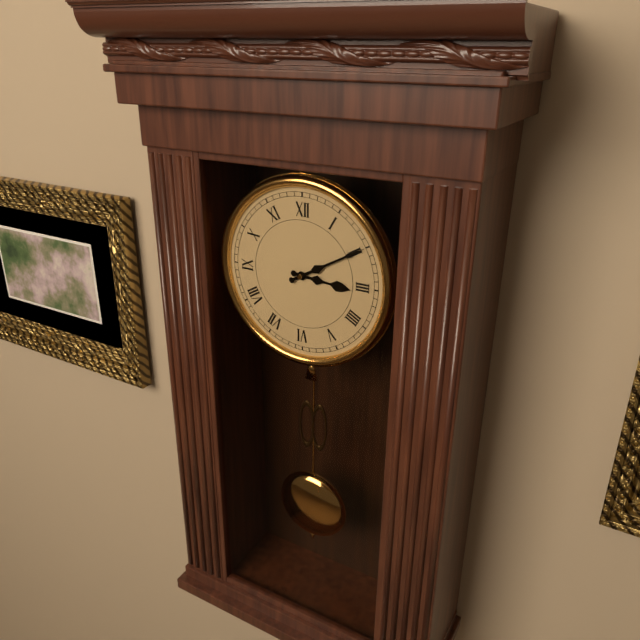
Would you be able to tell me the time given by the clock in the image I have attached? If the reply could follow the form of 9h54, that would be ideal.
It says 3h10
